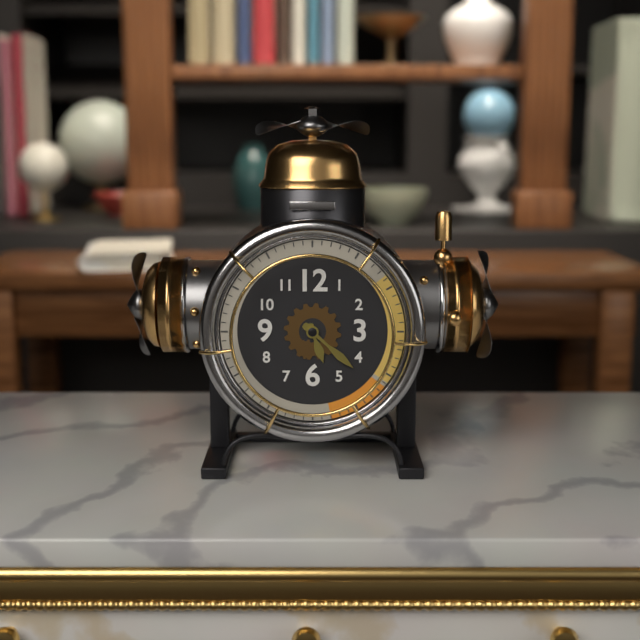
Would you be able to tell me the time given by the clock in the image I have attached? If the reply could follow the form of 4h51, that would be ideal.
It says 5h22
